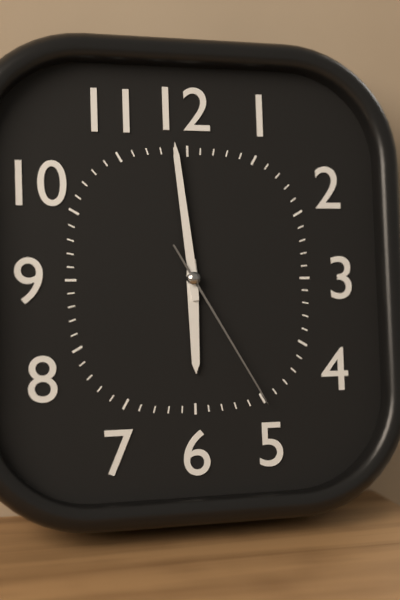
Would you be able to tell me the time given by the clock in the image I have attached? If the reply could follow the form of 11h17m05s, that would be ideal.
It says 5h59m25s
